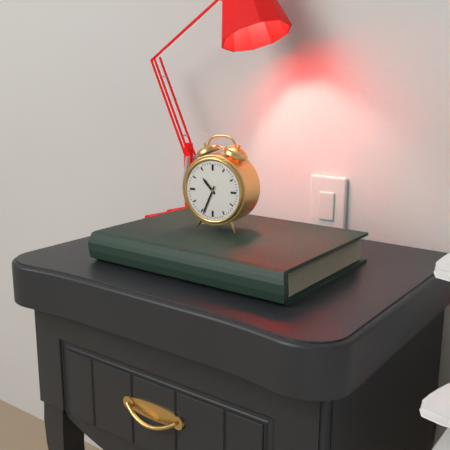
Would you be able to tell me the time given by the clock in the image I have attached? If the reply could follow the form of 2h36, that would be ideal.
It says 10h34
